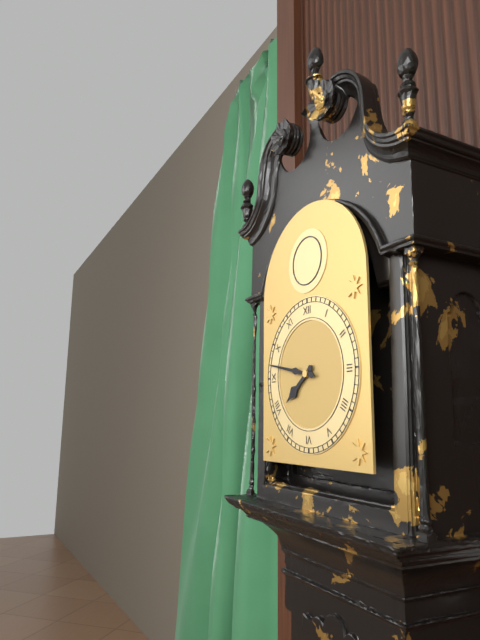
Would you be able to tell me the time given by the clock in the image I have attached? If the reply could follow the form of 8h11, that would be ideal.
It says 7h47
